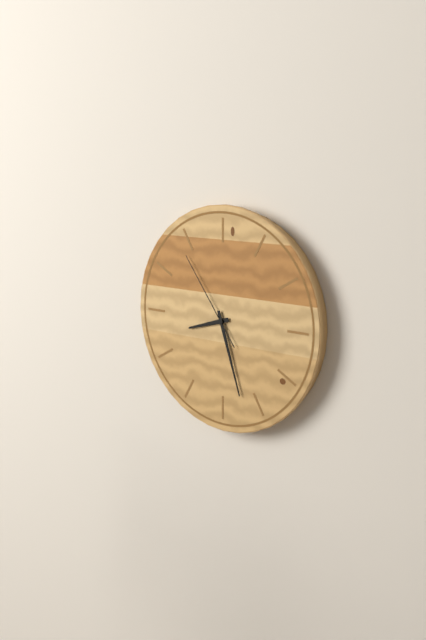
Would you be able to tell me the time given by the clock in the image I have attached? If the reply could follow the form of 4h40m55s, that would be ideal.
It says 8h27m54s
